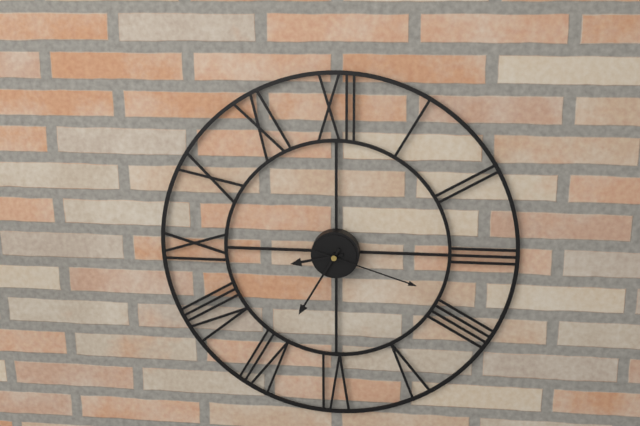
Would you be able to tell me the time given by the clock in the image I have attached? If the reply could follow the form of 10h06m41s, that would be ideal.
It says 8h35m18s
